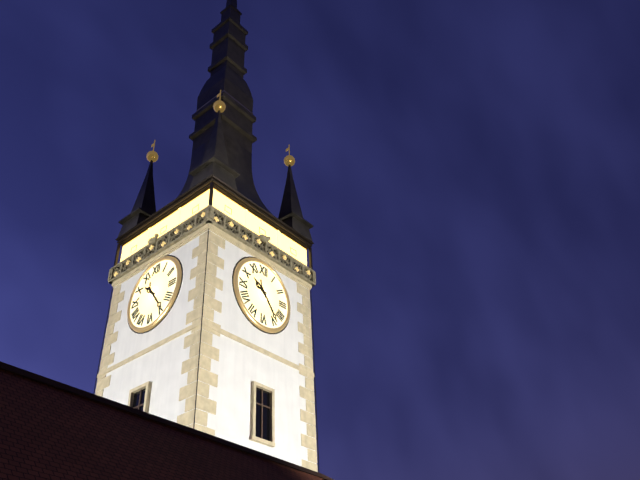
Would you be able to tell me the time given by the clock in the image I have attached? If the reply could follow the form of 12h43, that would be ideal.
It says 10h24
